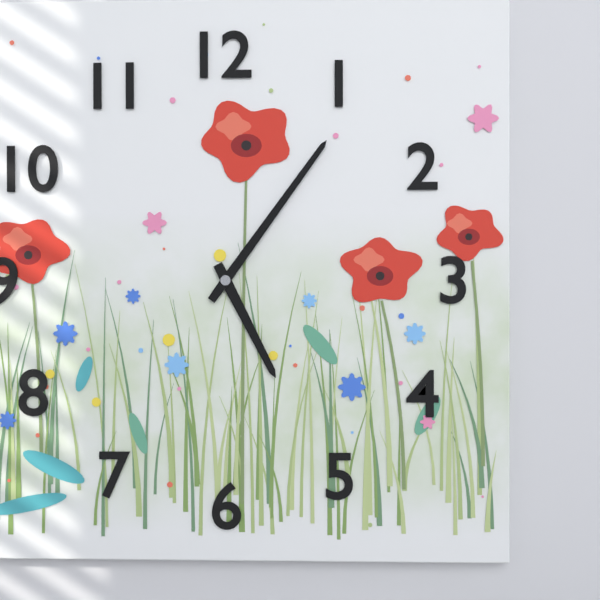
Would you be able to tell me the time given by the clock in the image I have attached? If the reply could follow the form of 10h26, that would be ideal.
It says 5h06
